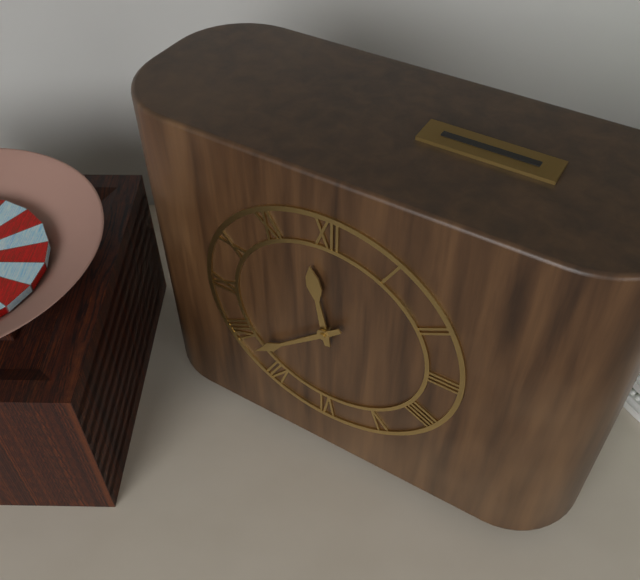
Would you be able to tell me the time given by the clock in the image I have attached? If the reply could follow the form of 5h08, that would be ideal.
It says 11h38
